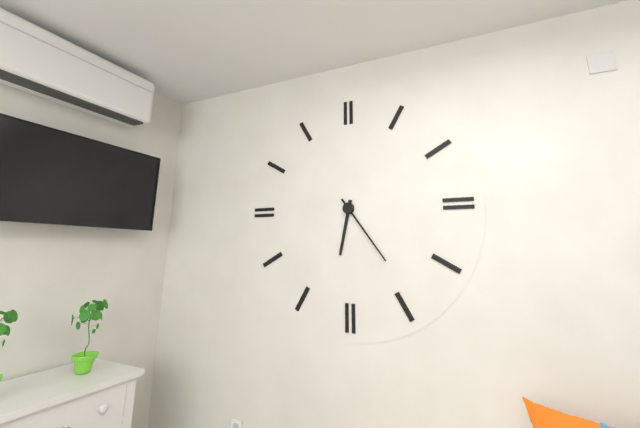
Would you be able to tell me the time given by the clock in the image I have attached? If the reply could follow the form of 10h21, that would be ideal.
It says 6h24
